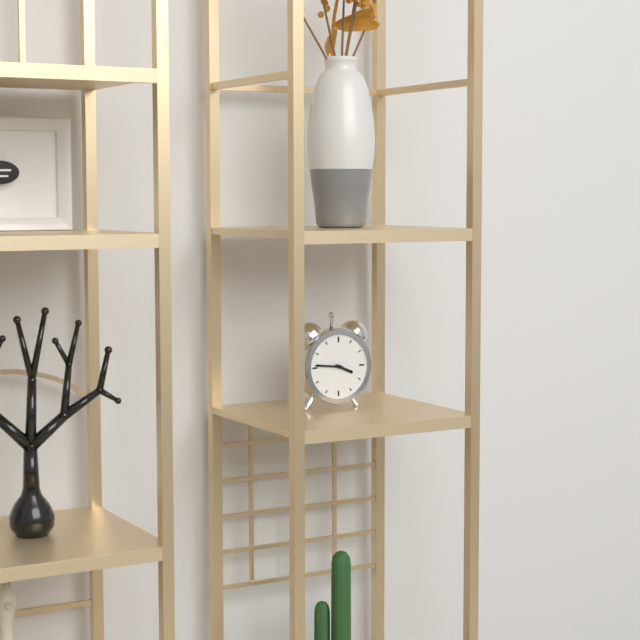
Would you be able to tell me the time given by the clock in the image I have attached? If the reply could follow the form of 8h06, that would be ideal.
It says 3h46
